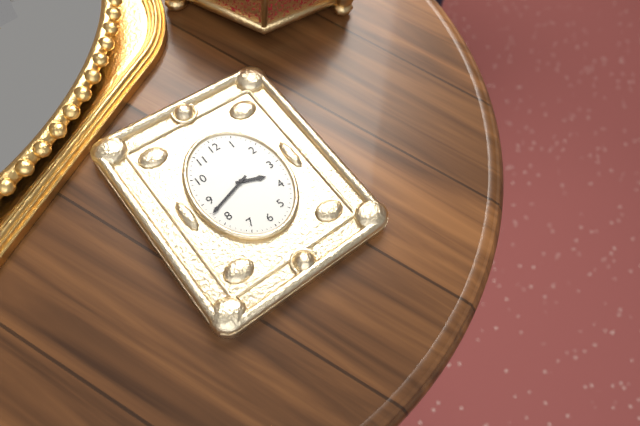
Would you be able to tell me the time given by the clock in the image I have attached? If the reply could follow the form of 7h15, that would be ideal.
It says 3h42
